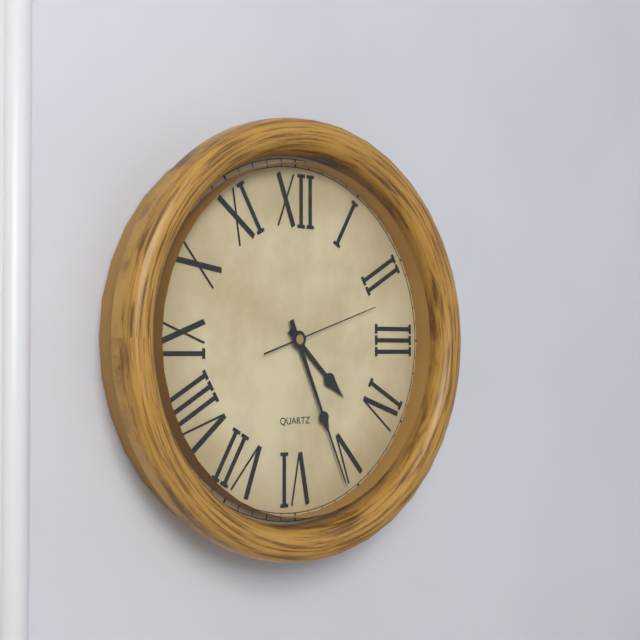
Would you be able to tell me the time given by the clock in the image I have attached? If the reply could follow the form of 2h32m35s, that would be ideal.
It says 4h26m12s
